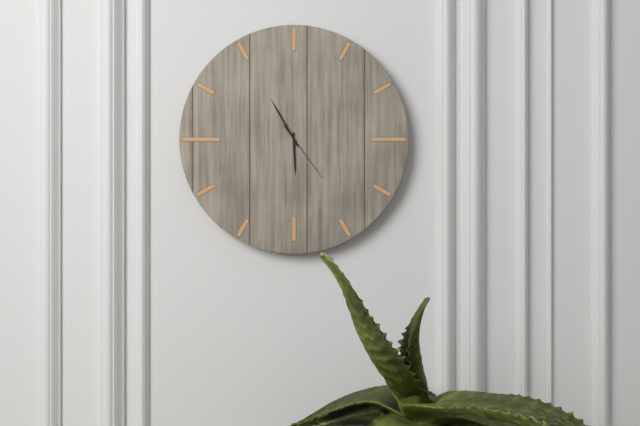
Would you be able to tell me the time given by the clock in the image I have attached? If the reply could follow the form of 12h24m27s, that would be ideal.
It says 5h55m24s
